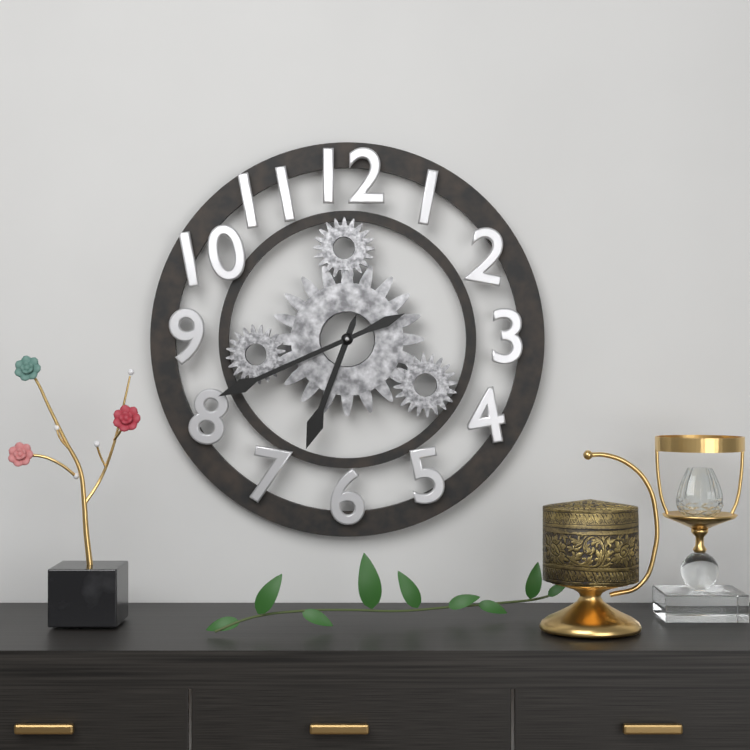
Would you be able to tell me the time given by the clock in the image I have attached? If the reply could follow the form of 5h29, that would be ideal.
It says 6h41
